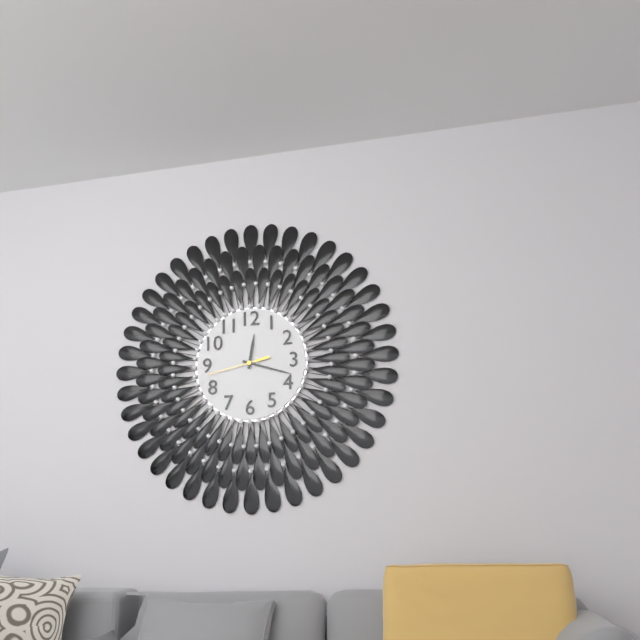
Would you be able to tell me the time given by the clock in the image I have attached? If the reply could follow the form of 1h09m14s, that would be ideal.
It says 12h18m43s
